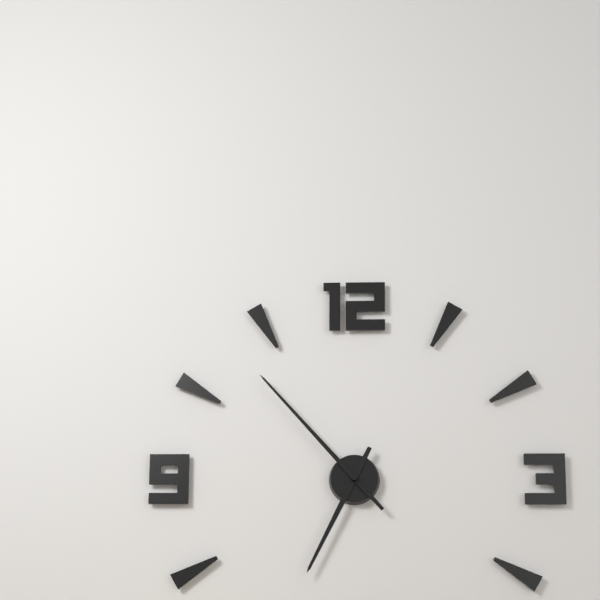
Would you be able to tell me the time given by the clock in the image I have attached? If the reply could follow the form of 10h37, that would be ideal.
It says 6h53
